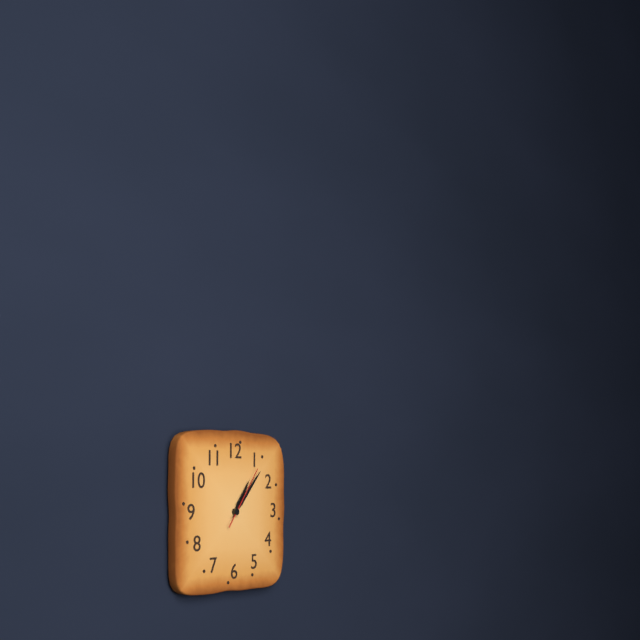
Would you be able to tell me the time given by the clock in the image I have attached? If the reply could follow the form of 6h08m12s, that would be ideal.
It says 1h07m06s
